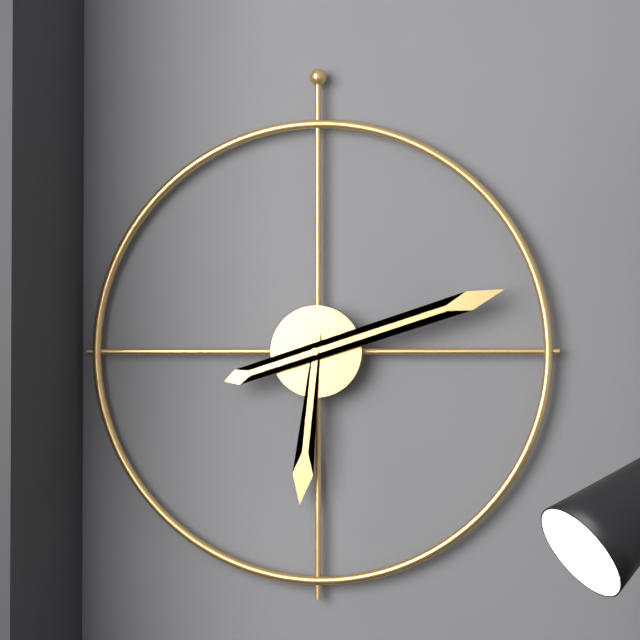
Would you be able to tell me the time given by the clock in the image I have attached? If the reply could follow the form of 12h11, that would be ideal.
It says 6h12
